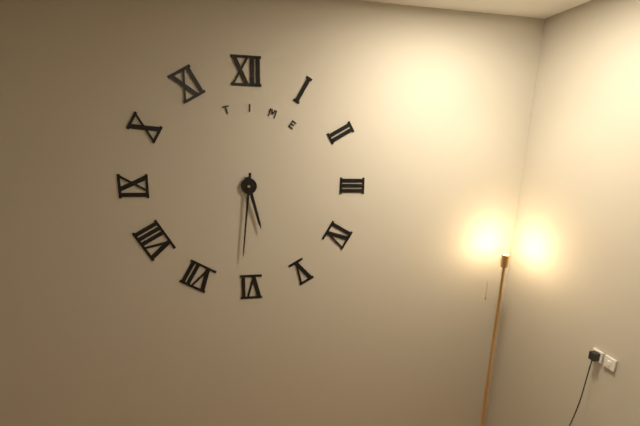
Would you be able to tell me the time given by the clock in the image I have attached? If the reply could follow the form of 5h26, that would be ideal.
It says 5h31
